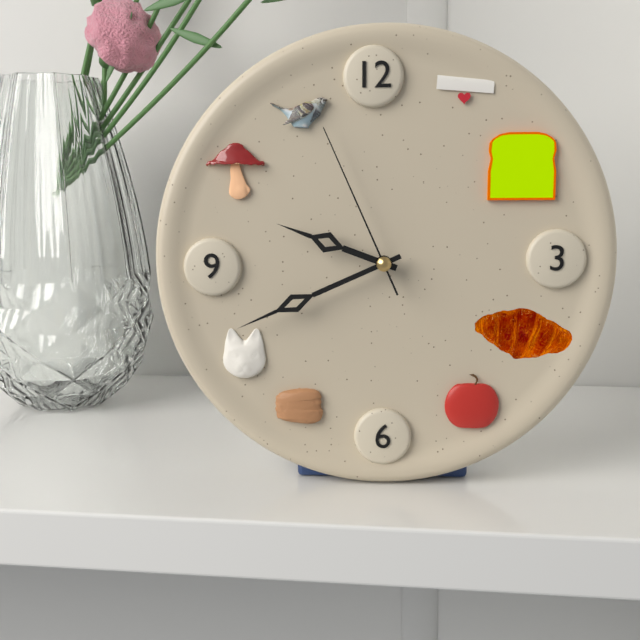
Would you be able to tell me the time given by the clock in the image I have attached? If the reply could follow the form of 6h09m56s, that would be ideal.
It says 9h41m56s
